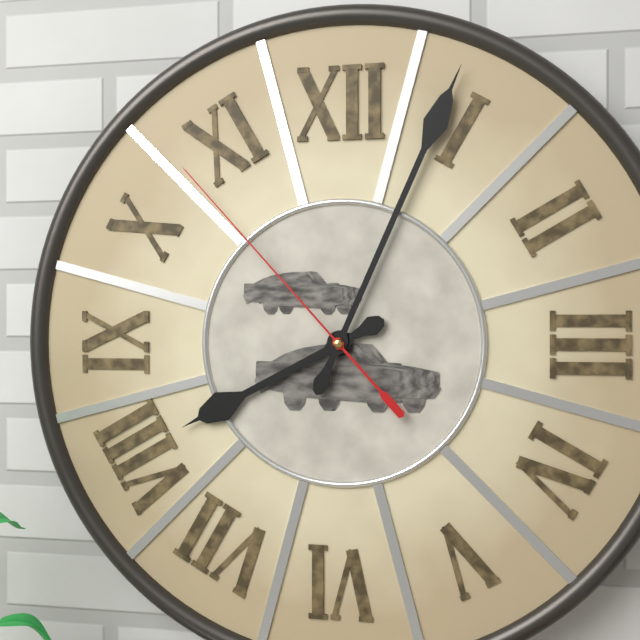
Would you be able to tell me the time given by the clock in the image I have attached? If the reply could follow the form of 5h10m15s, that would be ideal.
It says 8h04m53s
